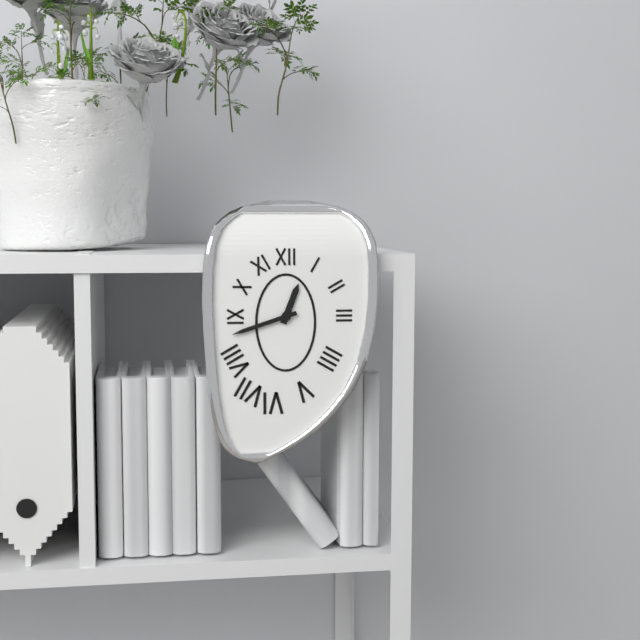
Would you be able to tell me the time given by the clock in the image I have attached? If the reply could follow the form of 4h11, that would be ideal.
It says 12h42
